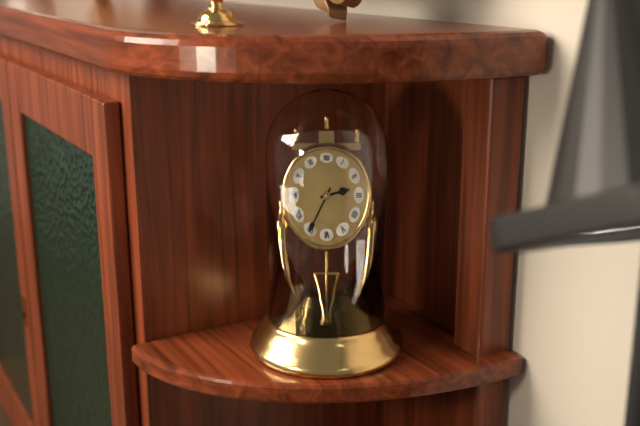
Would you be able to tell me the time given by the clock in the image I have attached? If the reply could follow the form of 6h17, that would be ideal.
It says 2h35
